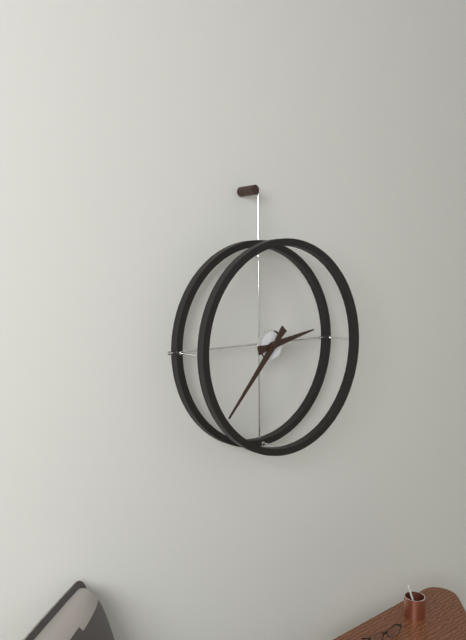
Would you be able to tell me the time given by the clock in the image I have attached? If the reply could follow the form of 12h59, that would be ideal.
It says 2h37
